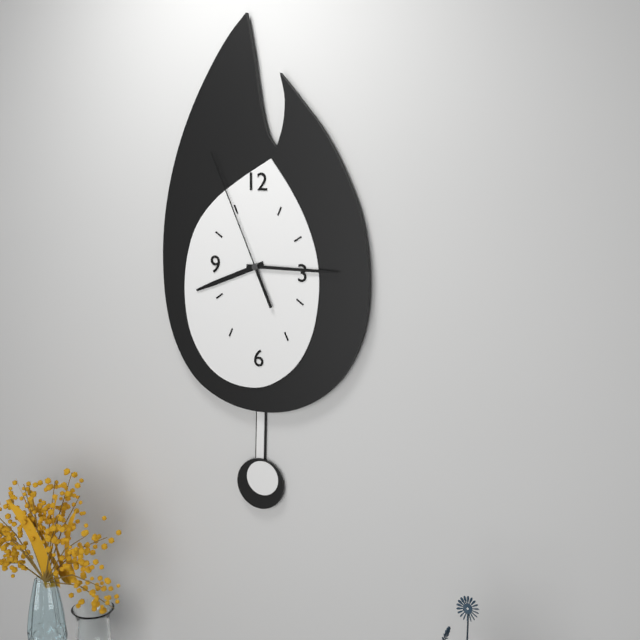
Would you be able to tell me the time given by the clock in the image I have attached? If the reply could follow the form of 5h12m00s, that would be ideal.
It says 8h15m56s
